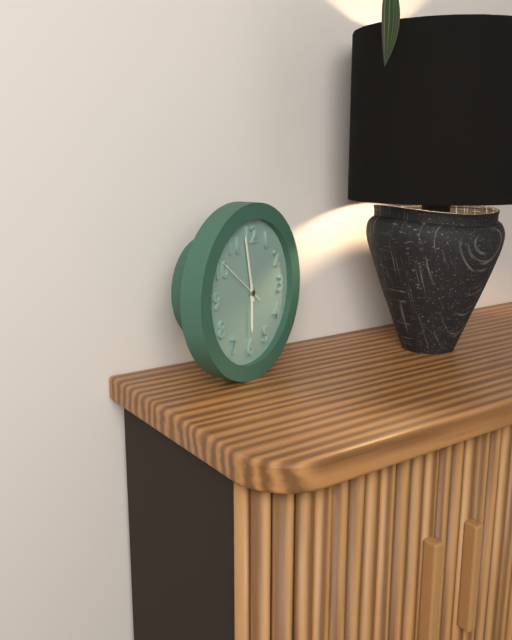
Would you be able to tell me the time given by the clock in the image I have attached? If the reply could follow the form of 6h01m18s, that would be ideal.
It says 5h58m51s
